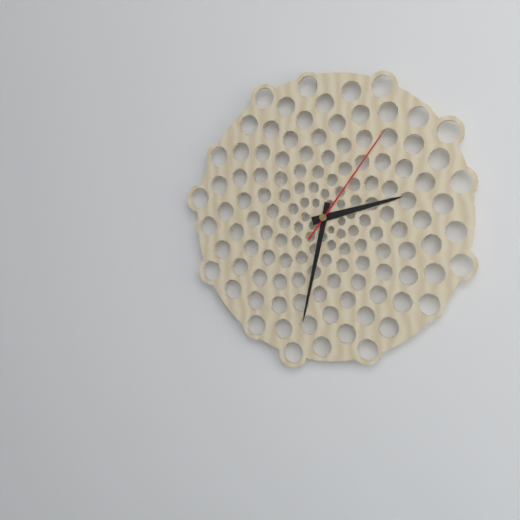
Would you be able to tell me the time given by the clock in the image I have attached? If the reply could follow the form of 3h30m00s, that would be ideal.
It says 2h32m06s
